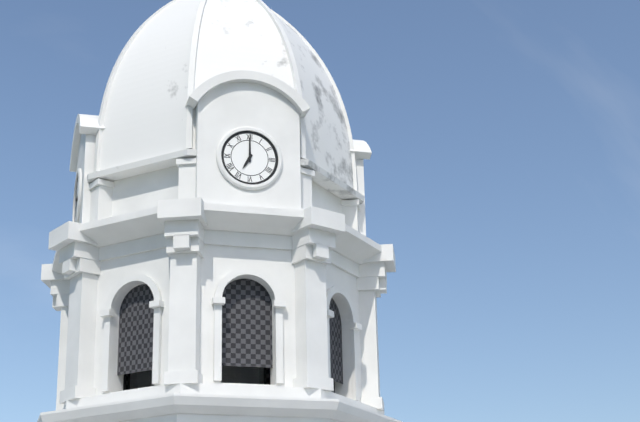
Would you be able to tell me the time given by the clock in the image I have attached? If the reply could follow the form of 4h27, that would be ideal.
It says 7h00
